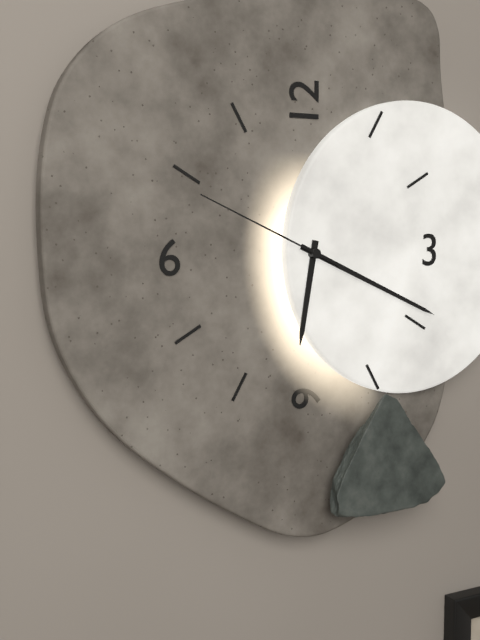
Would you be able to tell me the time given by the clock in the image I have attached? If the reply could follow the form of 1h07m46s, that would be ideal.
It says 6h19m49s
